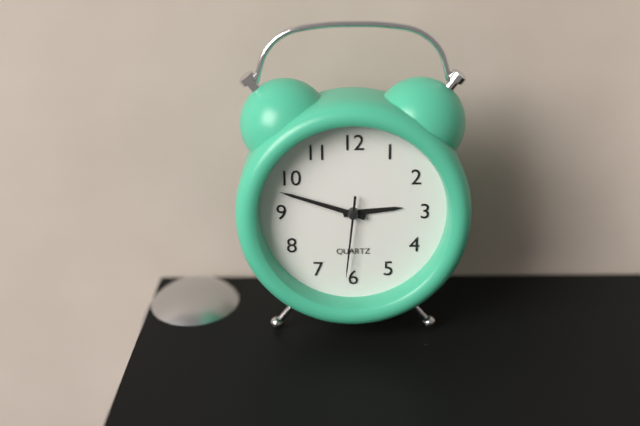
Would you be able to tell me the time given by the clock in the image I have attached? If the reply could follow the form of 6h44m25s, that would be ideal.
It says 2h48m31s
